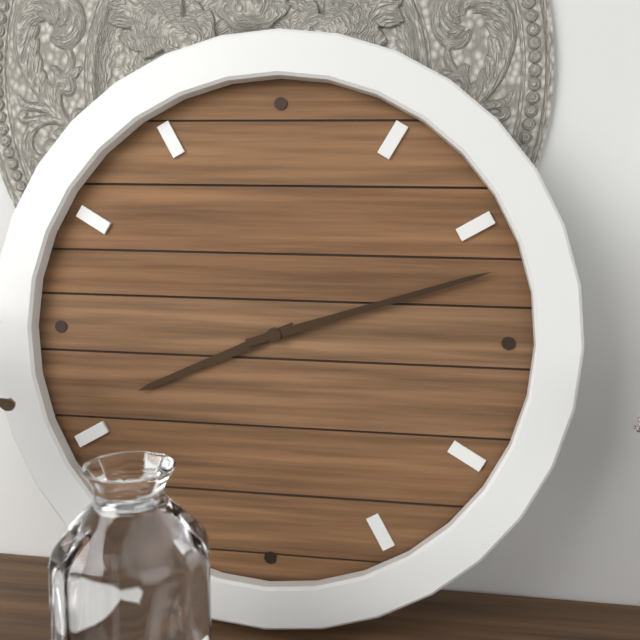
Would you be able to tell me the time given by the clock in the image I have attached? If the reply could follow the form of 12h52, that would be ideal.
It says 8h12
